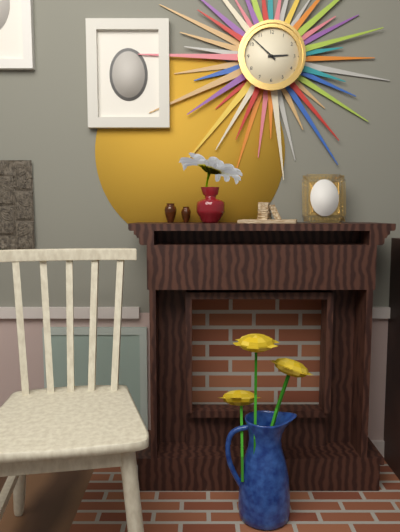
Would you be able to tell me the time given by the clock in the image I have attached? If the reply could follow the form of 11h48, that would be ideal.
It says 2h52
